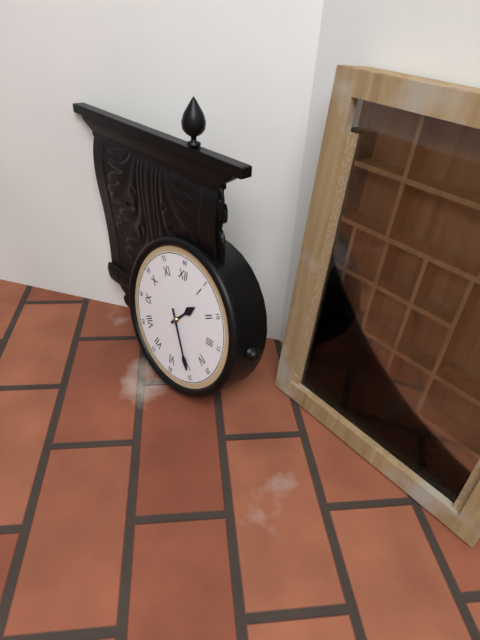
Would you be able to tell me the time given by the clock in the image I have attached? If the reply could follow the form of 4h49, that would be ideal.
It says 1h25
